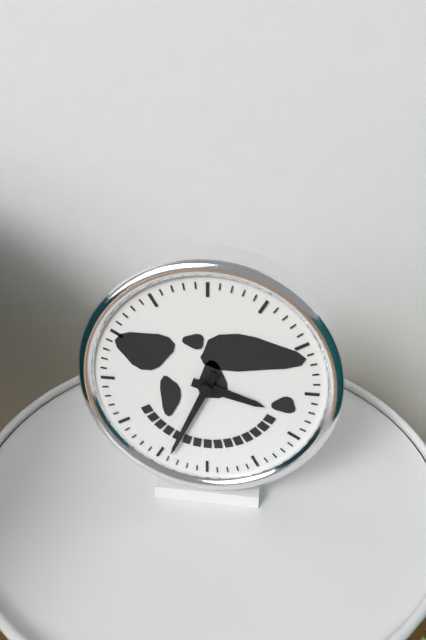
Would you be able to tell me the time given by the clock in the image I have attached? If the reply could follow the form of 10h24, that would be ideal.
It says 3h34
